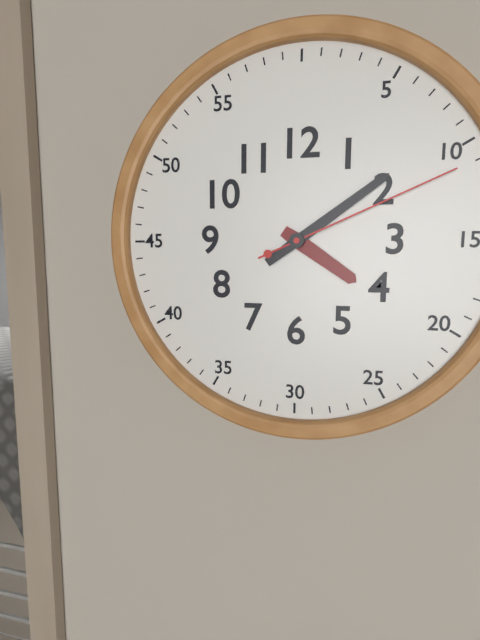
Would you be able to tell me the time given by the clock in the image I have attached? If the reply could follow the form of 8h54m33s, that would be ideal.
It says 4h09m11s
